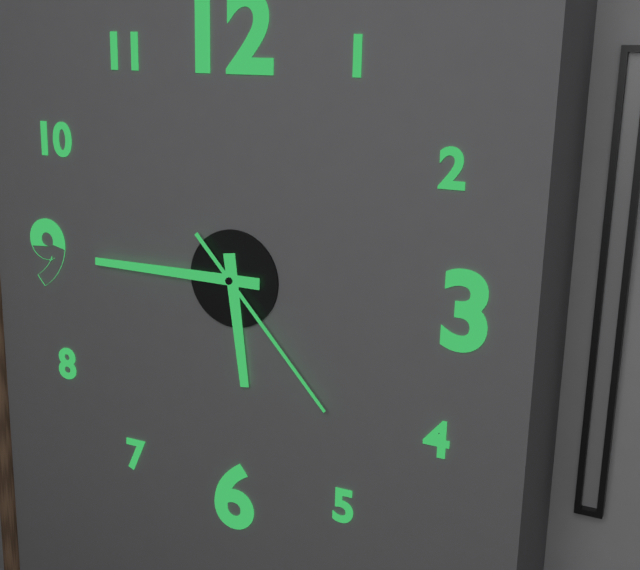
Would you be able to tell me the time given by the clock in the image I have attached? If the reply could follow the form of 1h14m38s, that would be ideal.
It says 5h45m23s
